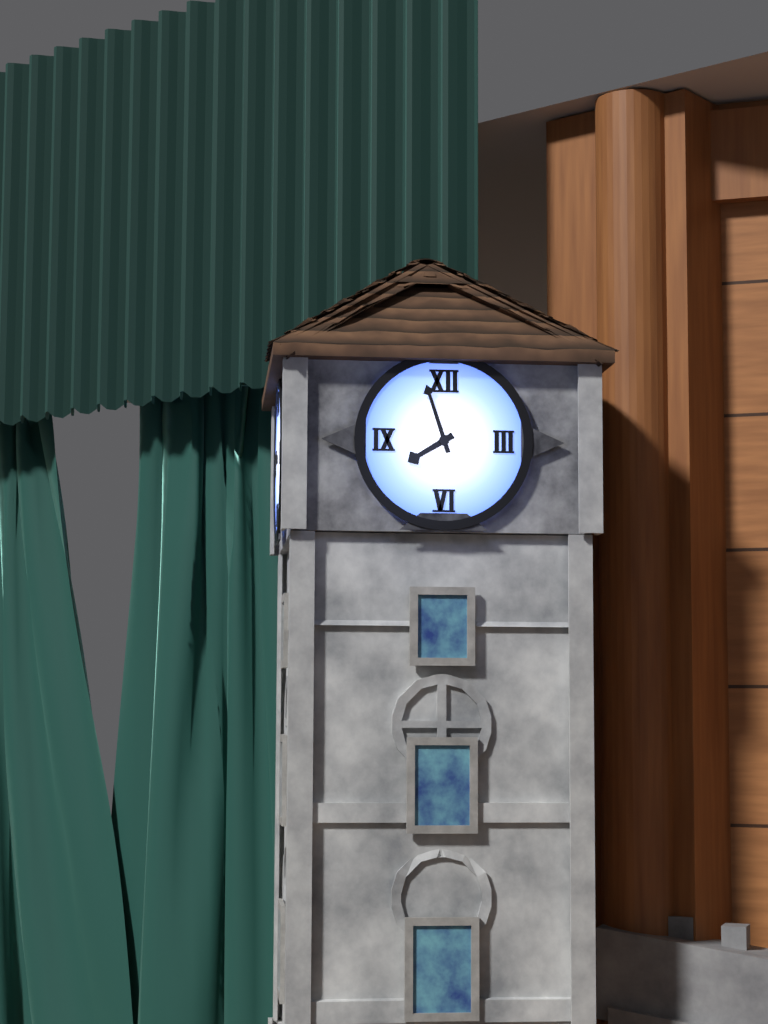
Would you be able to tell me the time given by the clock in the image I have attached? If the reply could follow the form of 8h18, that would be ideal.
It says 7h57
